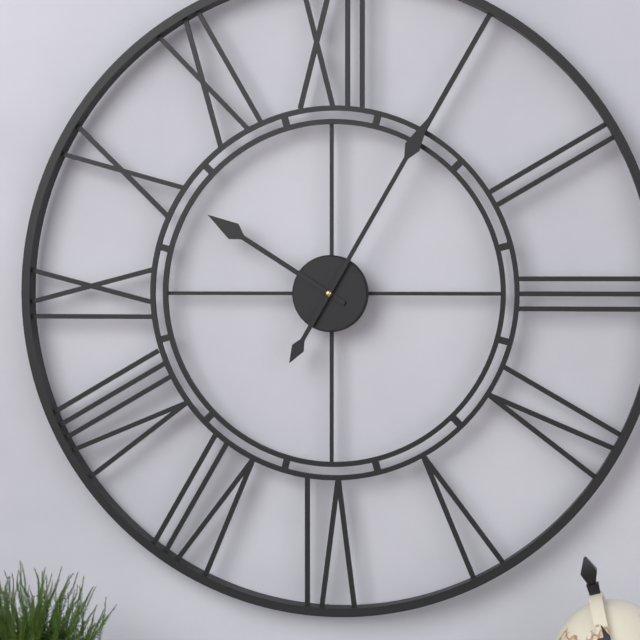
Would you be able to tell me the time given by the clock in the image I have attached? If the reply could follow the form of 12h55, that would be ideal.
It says 10h05
